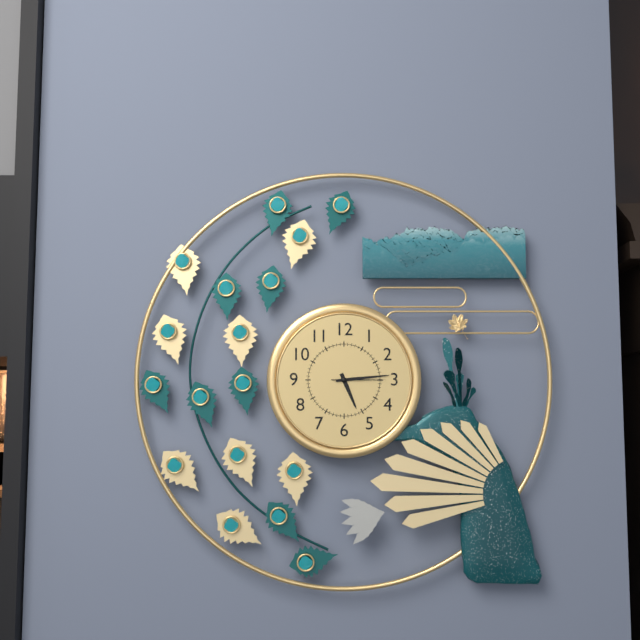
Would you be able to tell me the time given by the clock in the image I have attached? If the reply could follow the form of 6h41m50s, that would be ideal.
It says 5h14m15s
